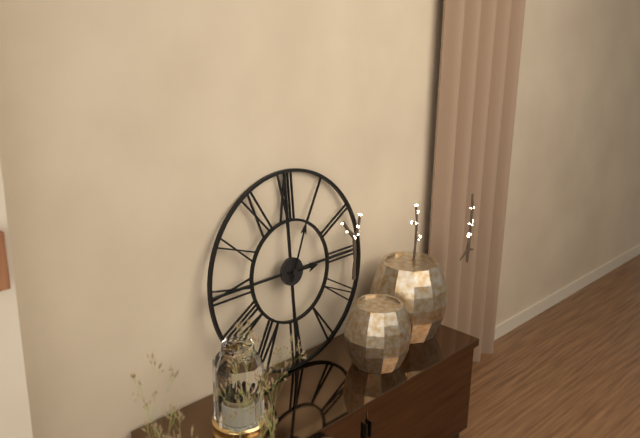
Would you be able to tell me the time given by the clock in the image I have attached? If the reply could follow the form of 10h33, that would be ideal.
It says 3h04
